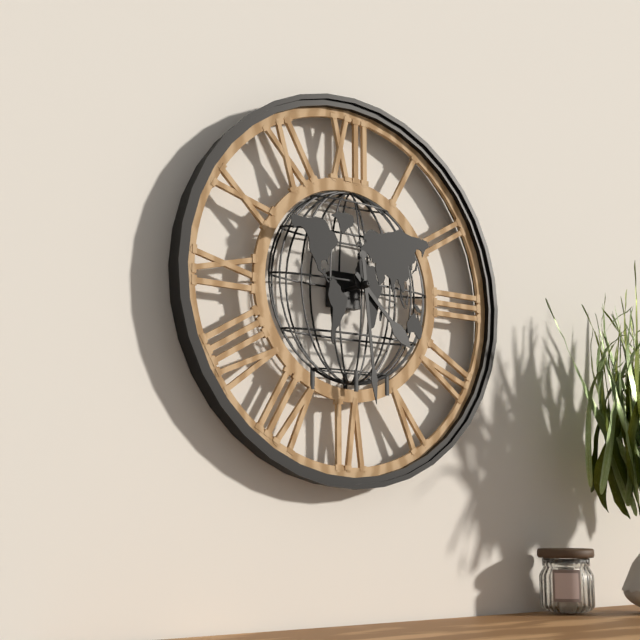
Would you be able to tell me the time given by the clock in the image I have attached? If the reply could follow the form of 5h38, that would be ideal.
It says 4h29
